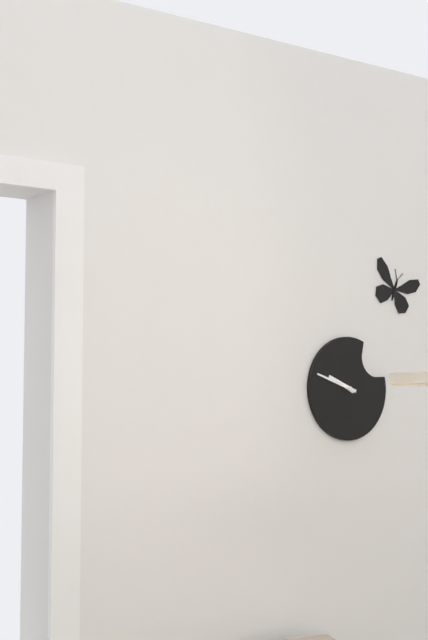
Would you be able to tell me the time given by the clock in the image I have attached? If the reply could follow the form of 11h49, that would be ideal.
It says 9h48
